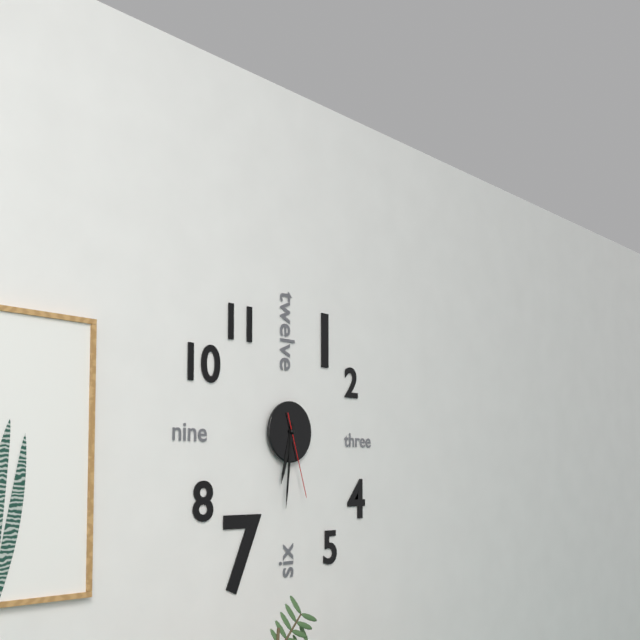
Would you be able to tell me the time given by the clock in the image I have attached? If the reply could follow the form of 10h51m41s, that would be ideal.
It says 6h31m27s
